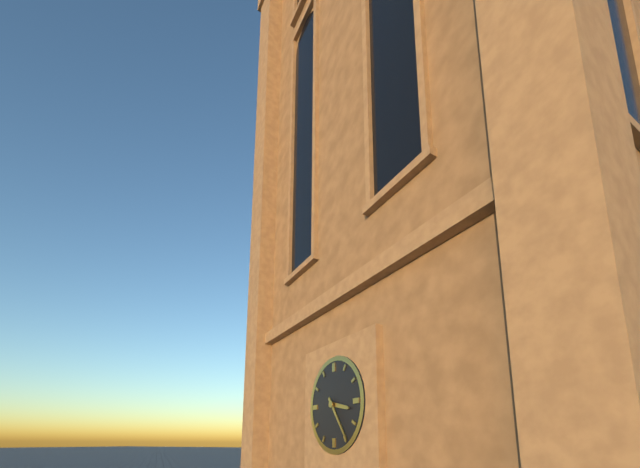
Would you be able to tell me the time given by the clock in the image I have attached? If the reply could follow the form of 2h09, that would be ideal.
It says 3h24
